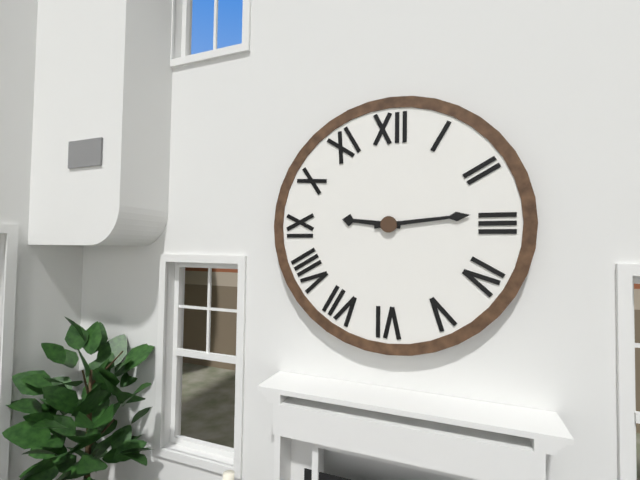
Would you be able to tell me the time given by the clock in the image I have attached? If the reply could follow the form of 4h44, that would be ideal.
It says 9h14
